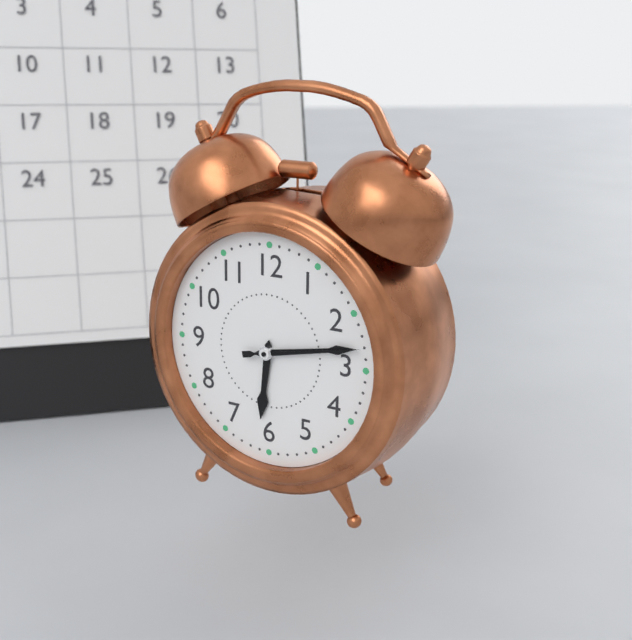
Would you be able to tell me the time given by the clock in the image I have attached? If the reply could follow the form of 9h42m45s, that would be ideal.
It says 6h13m13s
